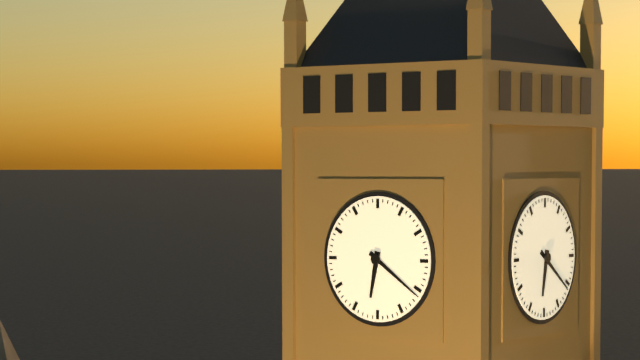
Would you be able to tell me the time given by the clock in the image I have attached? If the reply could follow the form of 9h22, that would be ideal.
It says 6h21
